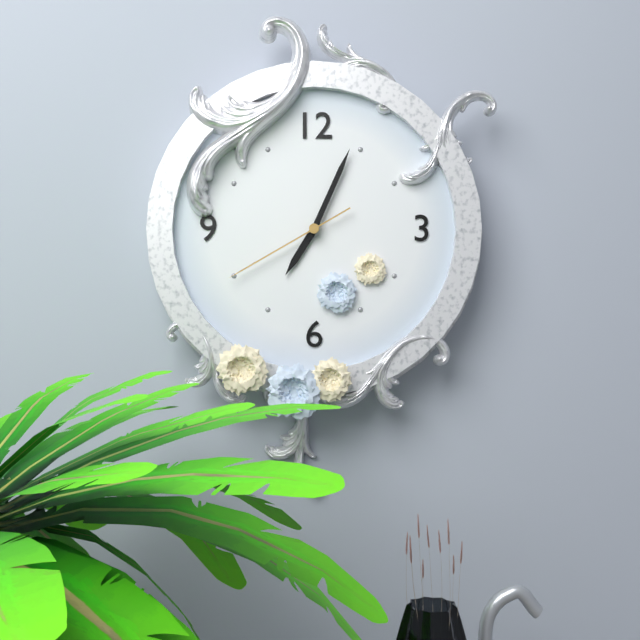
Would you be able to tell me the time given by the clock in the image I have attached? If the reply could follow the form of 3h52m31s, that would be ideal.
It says 7h04m40s
